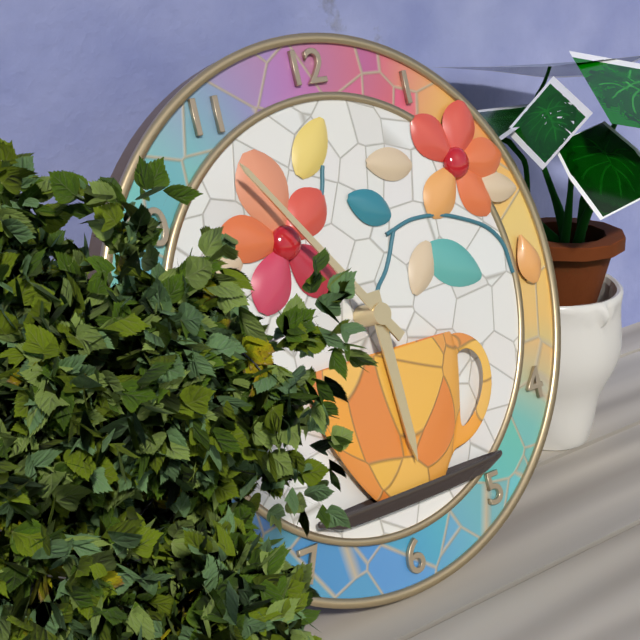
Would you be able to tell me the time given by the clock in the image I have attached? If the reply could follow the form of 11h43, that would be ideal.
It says 5h54
